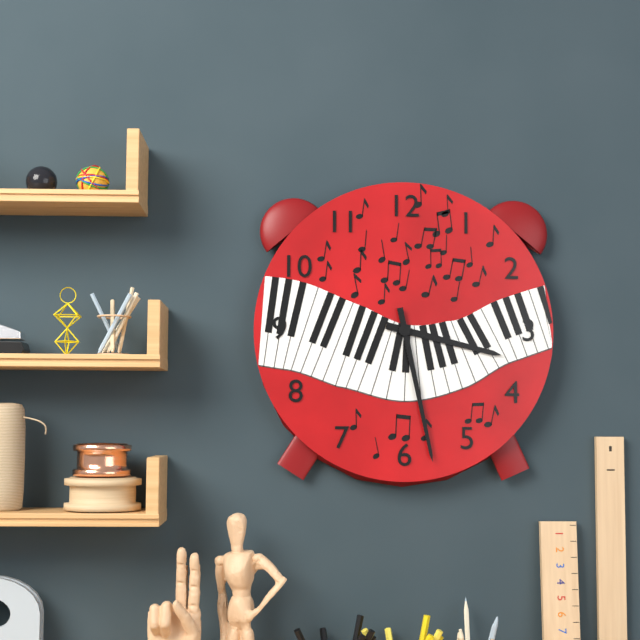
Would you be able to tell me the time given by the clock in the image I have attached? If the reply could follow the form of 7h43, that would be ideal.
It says 3h28
